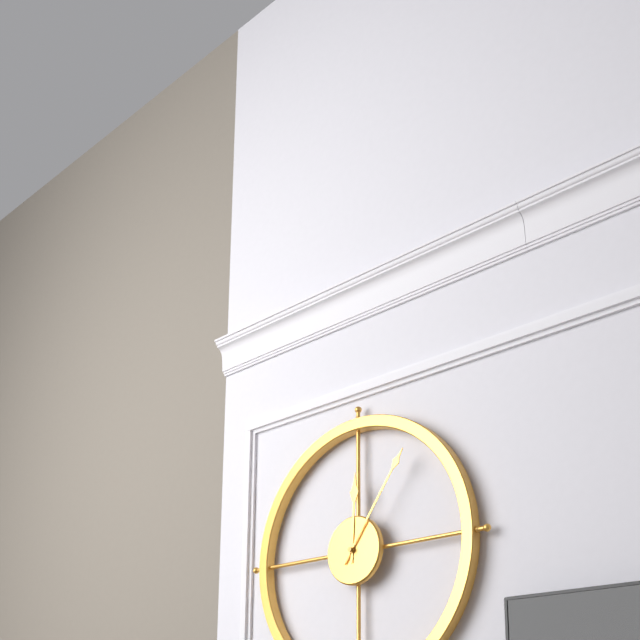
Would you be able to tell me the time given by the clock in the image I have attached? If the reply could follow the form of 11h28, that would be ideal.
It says 12h06
